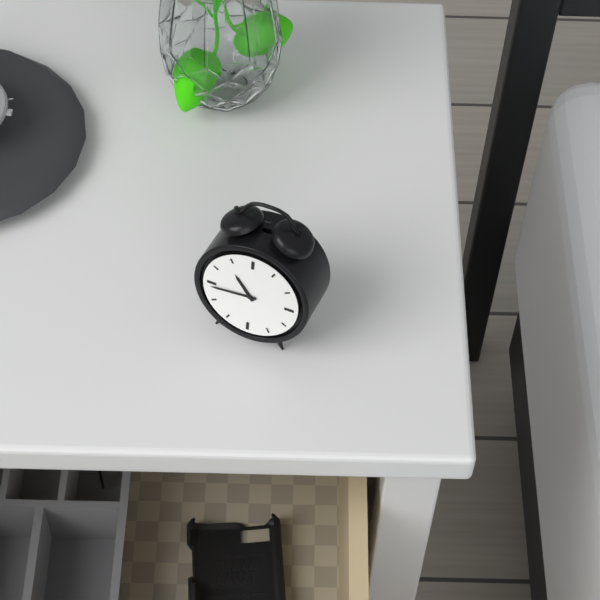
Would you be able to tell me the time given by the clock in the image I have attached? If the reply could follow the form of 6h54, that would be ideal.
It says 10h44
